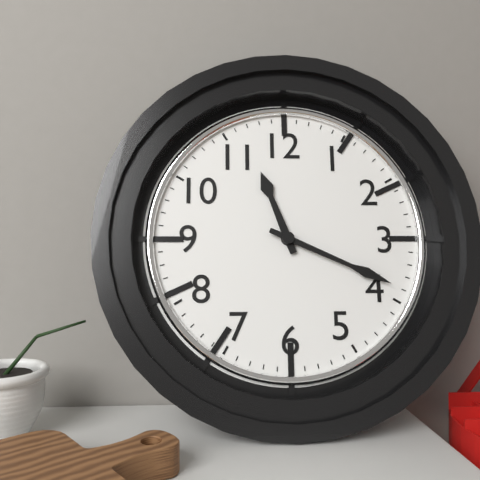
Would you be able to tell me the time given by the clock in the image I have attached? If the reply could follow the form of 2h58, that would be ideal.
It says 11h19
